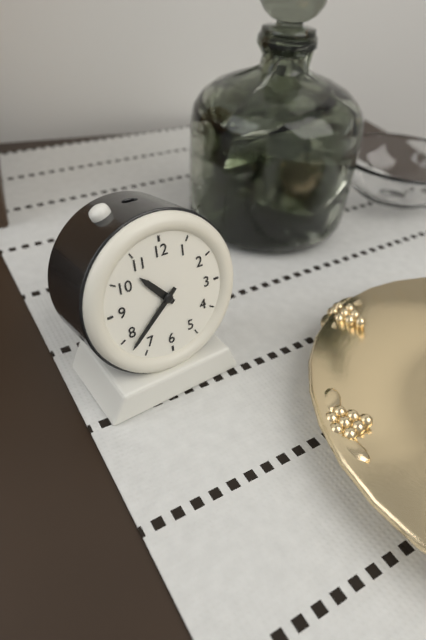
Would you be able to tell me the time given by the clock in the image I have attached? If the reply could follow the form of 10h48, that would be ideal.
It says 10h38
